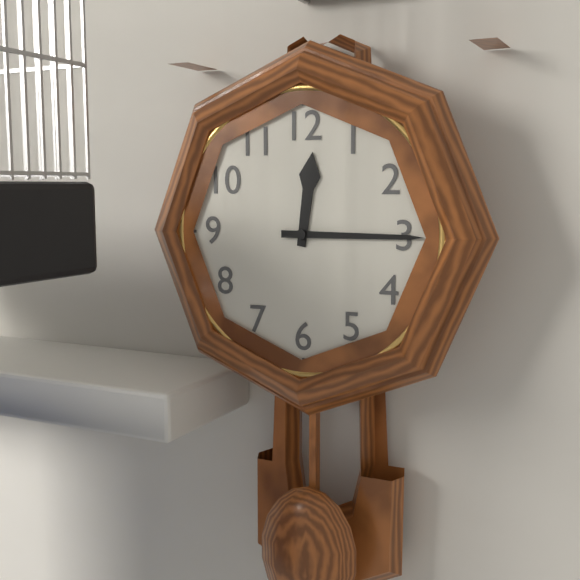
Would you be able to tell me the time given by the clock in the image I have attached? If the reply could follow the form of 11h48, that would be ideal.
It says 12h15
